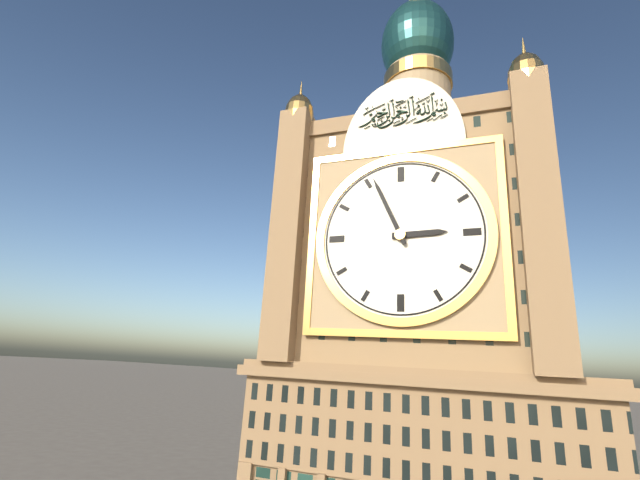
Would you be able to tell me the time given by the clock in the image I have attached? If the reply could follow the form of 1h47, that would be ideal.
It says 2h56
